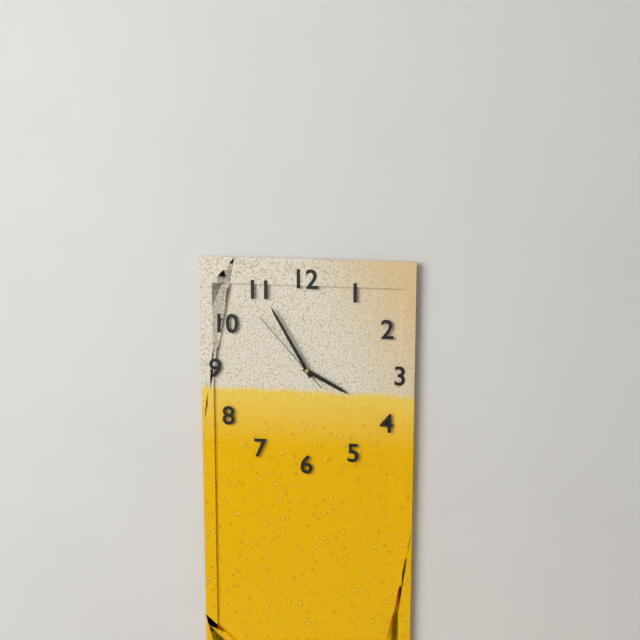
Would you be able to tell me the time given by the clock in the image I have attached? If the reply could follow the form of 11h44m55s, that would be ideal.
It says 3h55m53s
